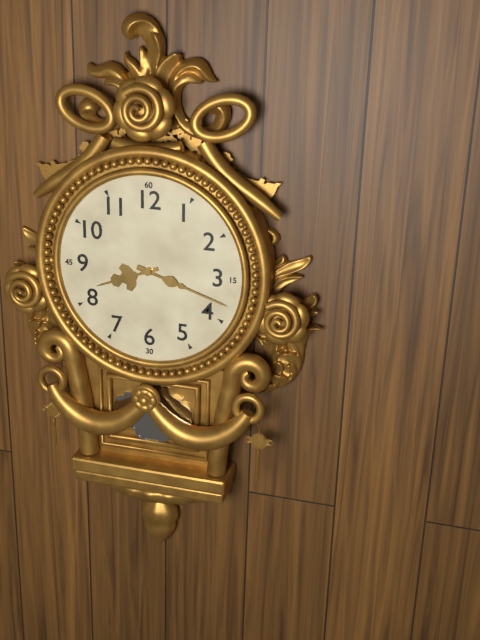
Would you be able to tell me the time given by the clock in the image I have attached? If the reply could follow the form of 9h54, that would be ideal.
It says 8h18
